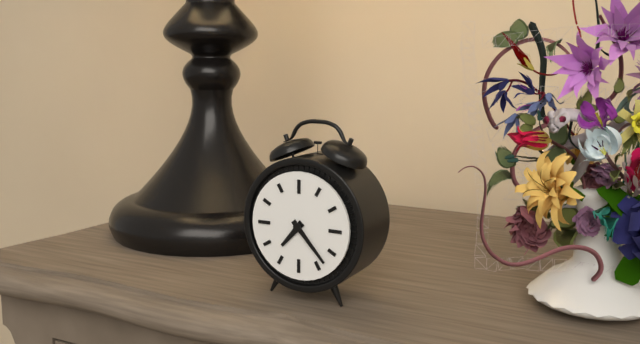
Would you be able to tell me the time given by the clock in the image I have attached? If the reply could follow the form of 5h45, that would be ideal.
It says 7h23
